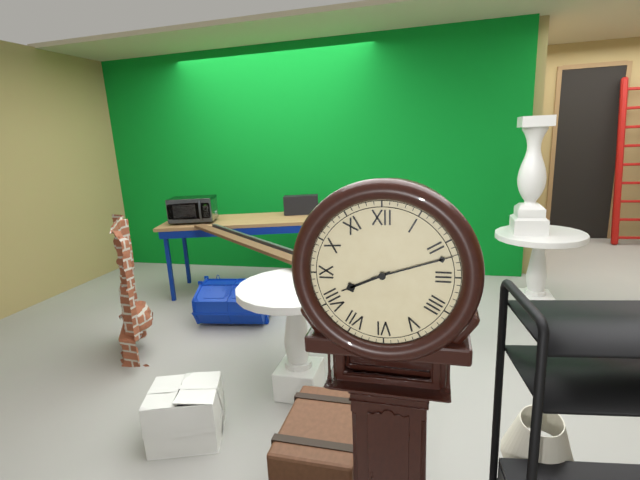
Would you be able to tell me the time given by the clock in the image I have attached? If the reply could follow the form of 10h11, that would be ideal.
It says 8h12
